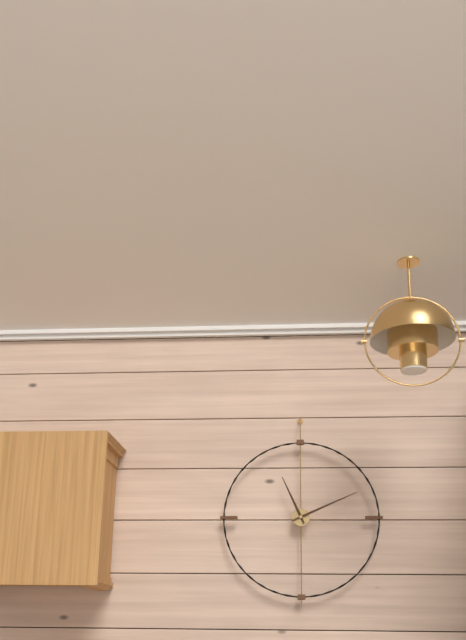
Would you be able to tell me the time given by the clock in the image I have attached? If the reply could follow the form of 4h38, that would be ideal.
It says 11h11
